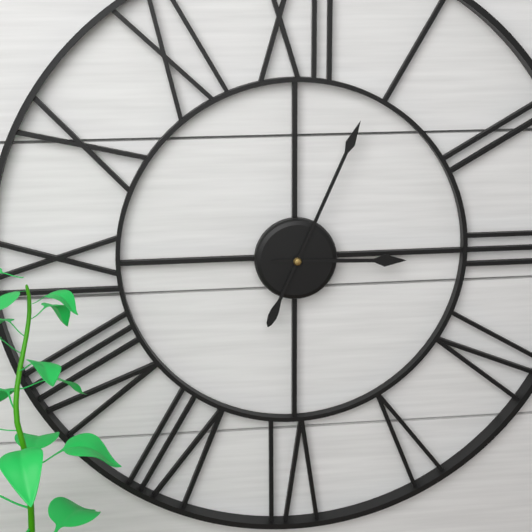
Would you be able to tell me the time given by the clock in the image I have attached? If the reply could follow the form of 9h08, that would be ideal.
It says 3h04
